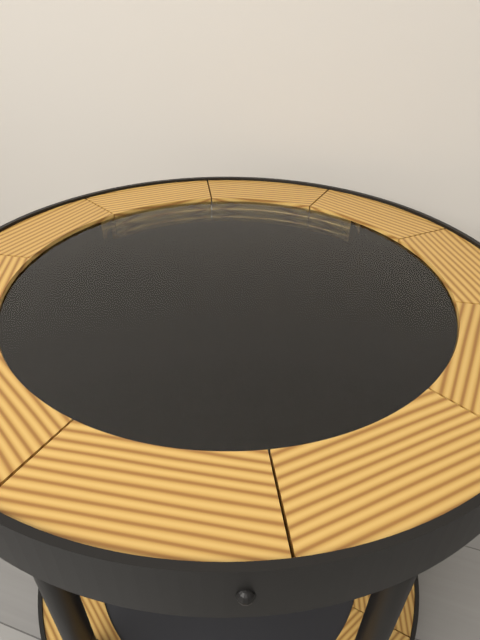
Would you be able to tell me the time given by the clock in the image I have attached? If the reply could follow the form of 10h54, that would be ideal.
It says 1h10
